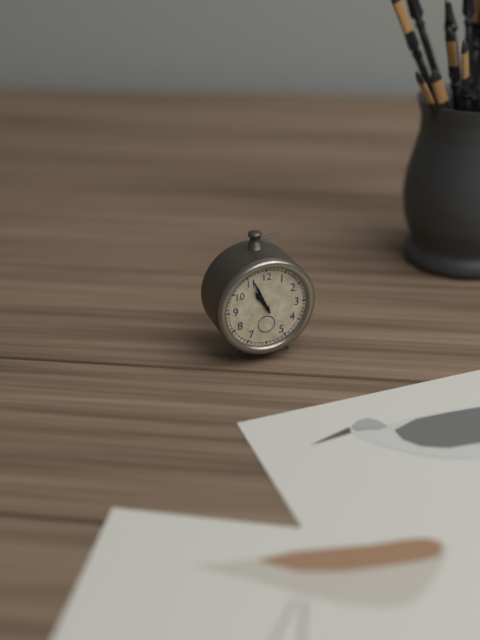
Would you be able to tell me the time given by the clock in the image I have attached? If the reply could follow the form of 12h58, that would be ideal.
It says 10h56
